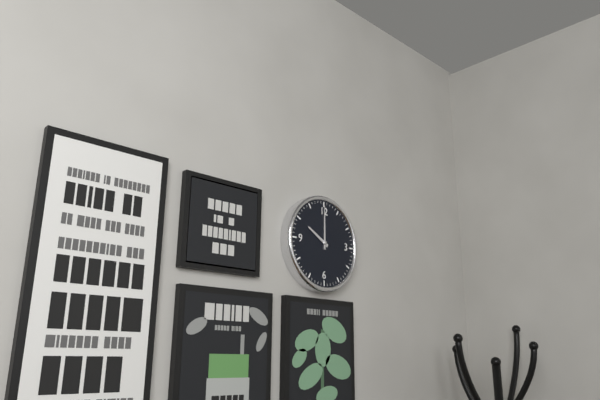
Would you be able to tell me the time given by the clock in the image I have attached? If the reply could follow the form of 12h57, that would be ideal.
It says 10h00
